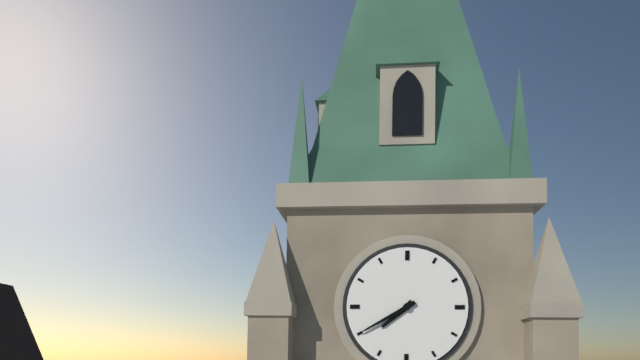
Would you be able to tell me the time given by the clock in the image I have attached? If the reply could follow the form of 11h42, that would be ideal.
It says 7h40
